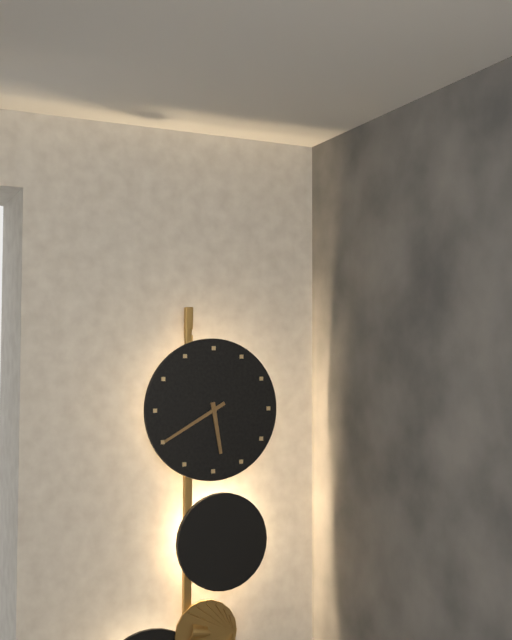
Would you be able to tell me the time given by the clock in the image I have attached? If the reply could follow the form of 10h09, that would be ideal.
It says 5h40
